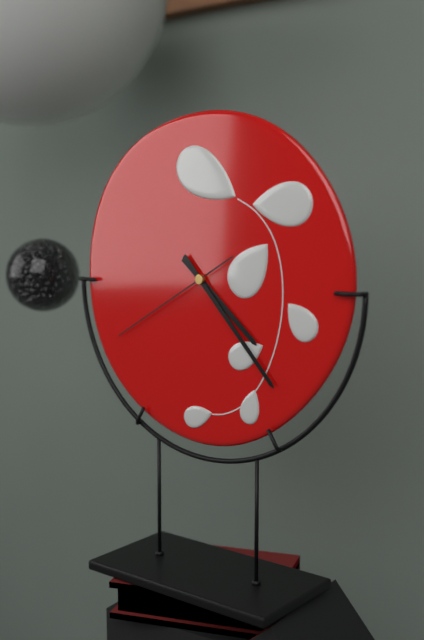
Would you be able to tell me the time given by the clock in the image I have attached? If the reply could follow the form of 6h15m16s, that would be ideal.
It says 4h23m40s
